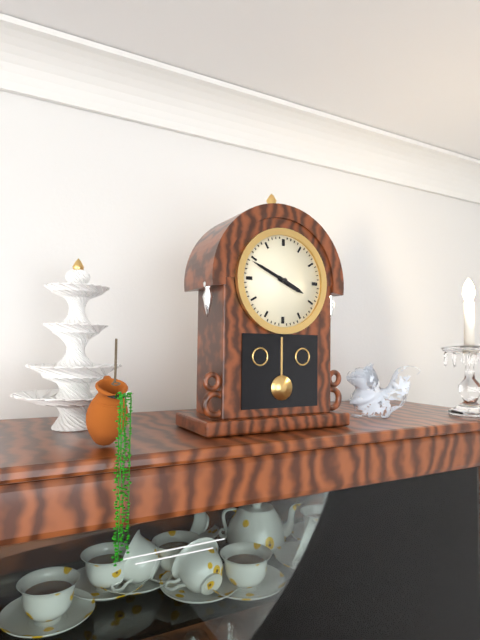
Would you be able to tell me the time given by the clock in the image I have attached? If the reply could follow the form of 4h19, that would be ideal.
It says 3h49
